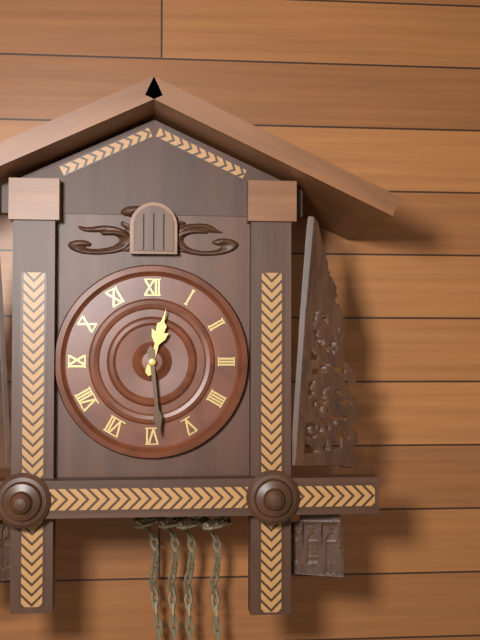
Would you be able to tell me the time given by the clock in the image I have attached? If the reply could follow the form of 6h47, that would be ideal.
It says 12h29
